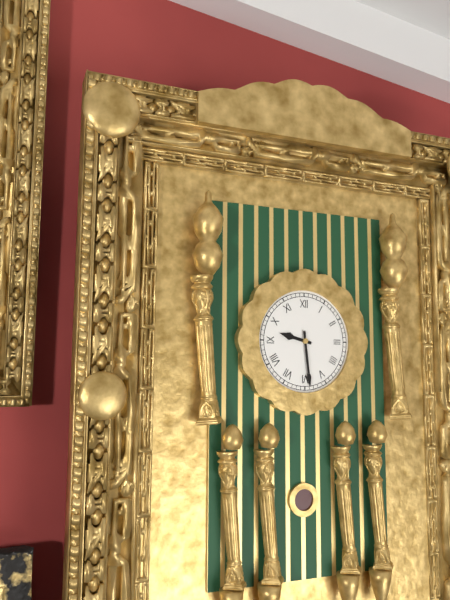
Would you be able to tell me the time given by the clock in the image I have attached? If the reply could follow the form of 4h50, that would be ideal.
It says 9h29
